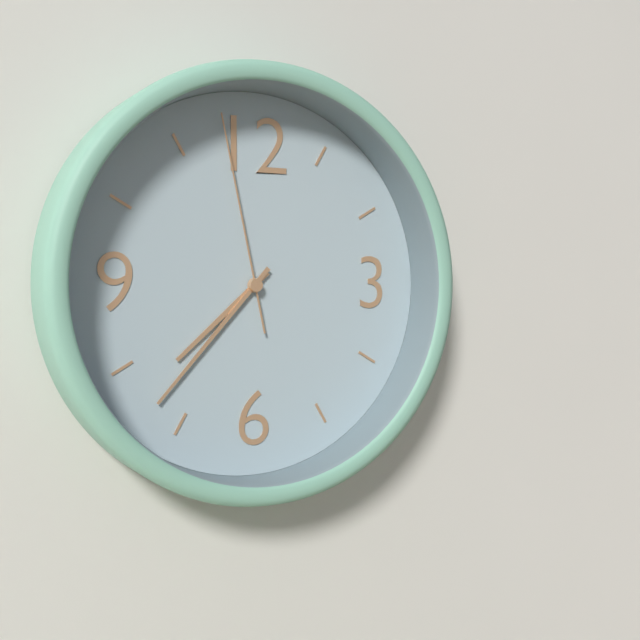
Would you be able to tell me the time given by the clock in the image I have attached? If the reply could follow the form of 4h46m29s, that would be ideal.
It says 7h37m58s
